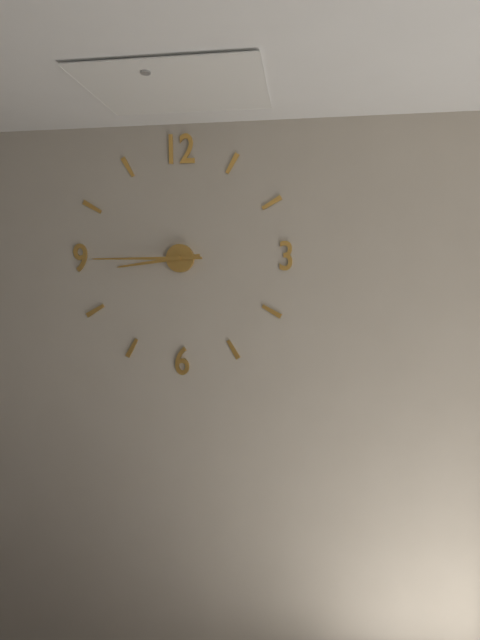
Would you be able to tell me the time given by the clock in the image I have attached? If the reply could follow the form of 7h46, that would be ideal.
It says 8h45
